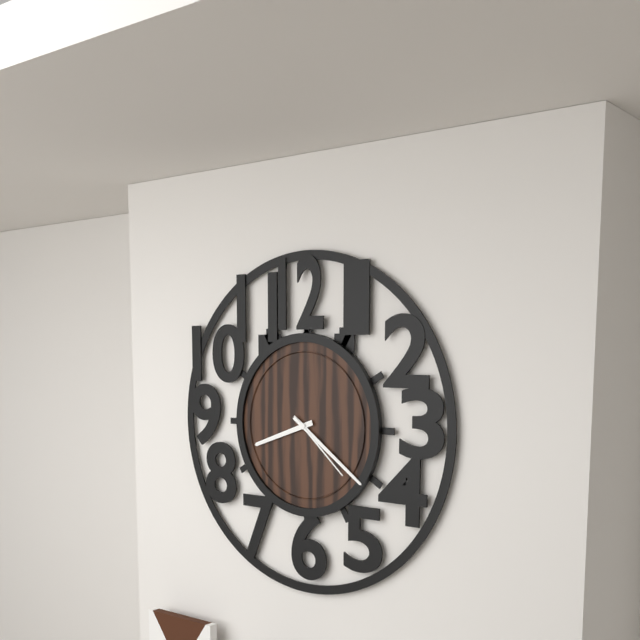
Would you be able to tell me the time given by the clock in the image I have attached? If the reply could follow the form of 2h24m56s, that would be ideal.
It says 8h21m22s
